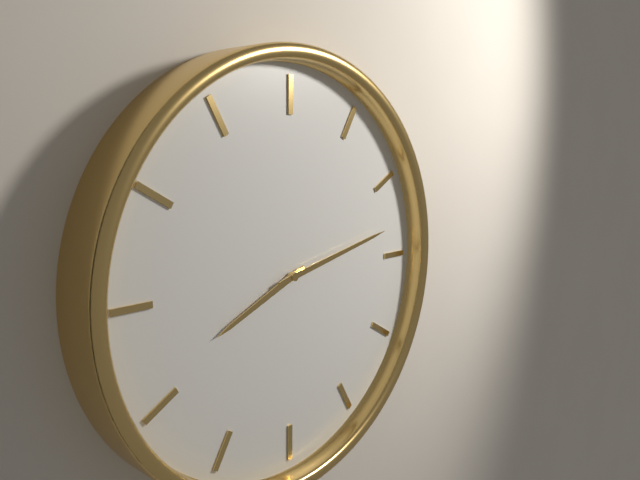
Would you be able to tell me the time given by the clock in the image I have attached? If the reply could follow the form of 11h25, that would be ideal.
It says 8h13
